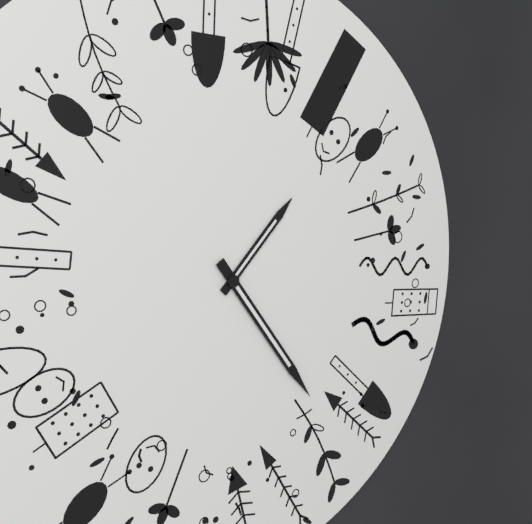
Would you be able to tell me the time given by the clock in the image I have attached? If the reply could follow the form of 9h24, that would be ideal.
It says 1h24
